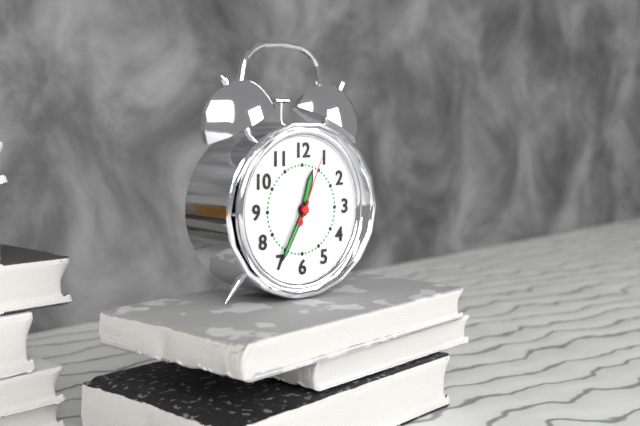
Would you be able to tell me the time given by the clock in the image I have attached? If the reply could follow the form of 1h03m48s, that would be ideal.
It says 12h35m04s
